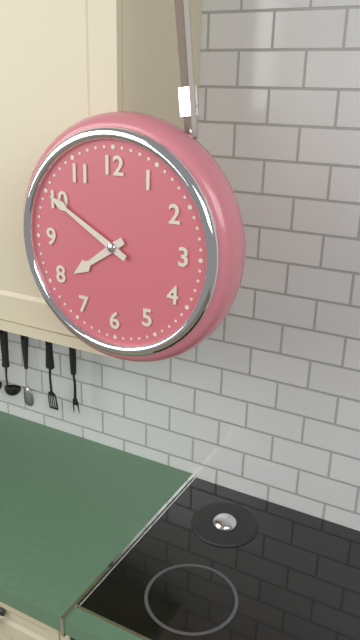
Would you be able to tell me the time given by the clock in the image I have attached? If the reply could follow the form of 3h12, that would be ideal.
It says 7h50
